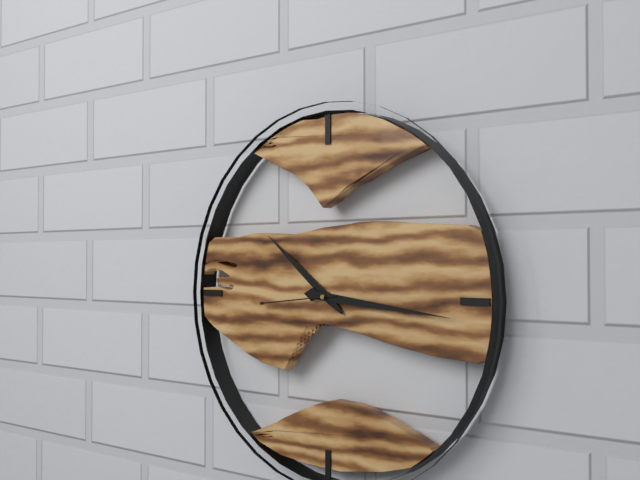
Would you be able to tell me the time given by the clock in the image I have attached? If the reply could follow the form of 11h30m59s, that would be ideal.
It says 10h16m44s
